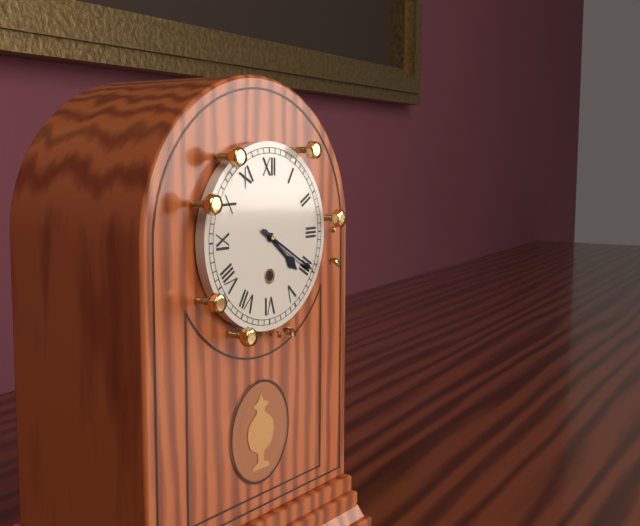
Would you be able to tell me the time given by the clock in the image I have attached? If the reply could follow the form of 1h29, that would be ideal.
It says 4h20
